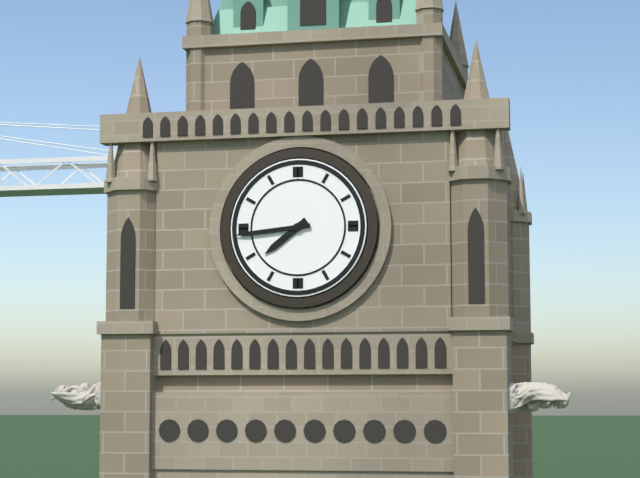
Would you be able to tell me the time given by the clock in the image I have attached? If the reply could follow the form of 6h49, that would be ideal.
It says 7h44
